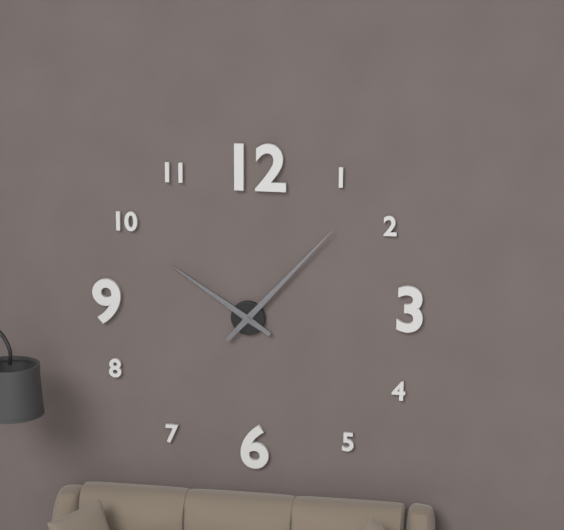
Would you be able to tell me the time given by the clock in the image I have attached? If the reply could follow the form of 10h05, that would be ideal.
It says 10h07
